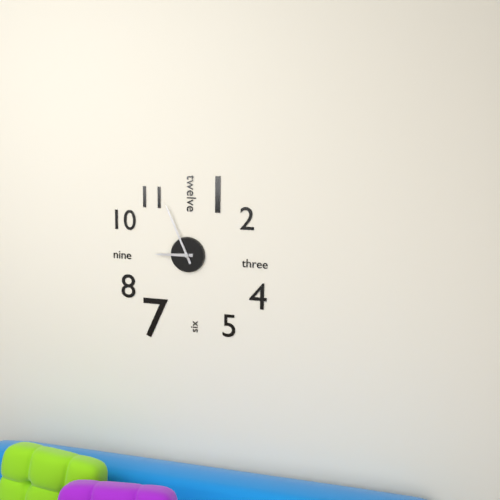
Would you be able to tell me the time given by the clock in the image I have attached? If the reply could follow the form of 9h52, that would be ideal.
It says 8h56
